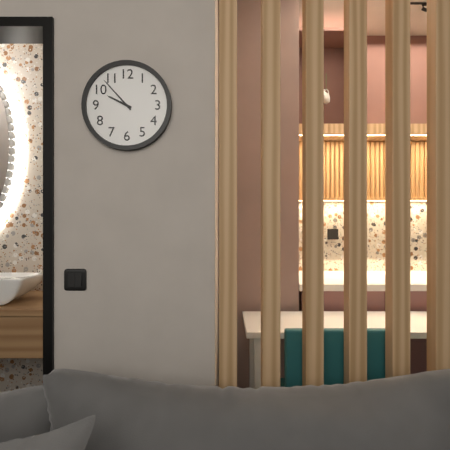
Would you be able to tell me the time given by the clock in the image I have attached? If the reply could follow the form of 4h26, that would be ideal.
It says 9h53
